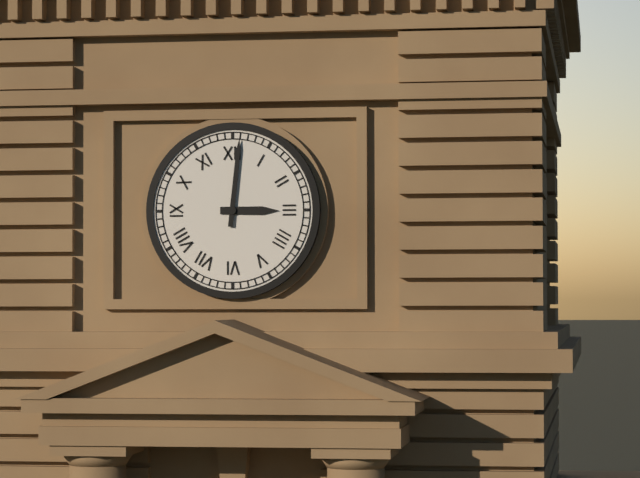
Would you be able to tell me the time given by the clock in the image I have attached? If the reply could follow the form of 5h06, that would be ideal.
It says 3h01
